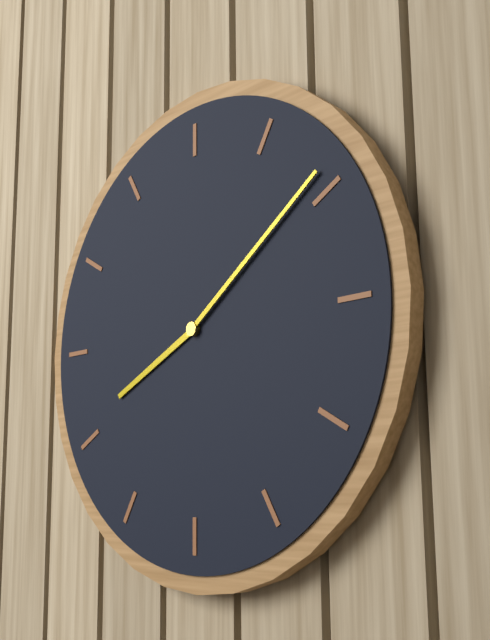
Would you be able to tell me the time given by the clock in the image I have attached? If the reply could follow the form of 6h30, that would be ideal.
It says 8h09
